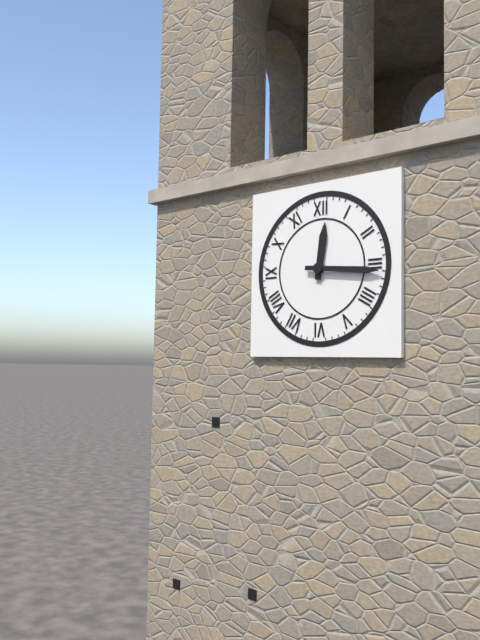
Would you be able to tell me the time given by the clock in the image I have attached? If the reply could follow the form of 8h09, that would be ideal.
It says 12h16
